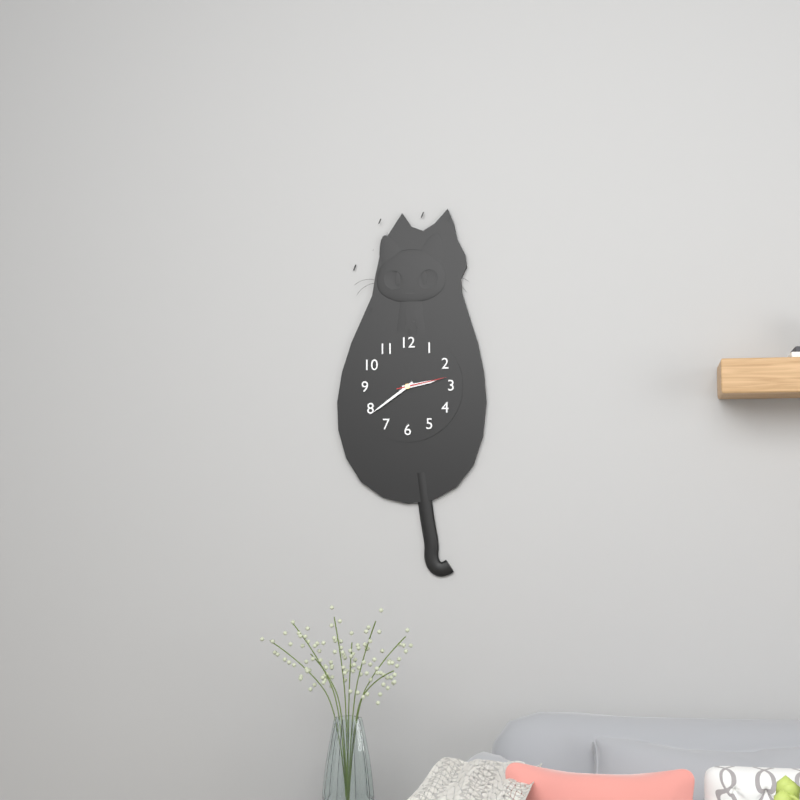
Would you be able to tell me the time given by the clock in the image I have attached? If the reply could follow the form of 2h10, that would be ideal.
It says 2h39
